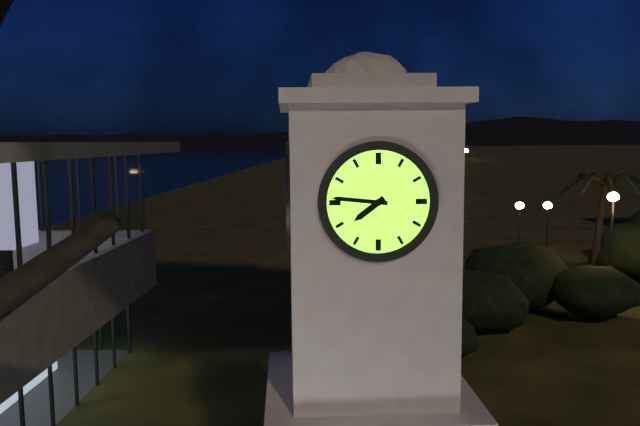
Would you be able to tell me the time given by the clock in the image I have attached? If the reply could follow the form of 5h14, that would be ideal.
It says 7h46
